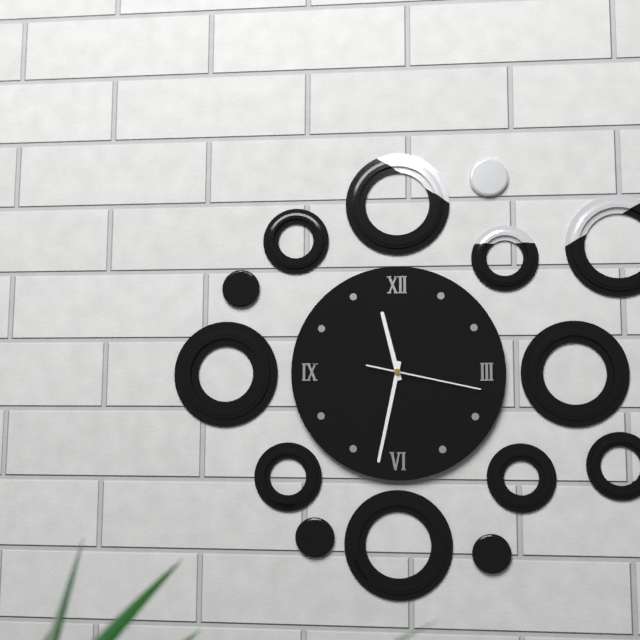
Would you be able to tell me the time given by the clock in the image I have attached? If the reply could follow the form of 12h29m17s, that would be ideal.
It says 11h32m17s
